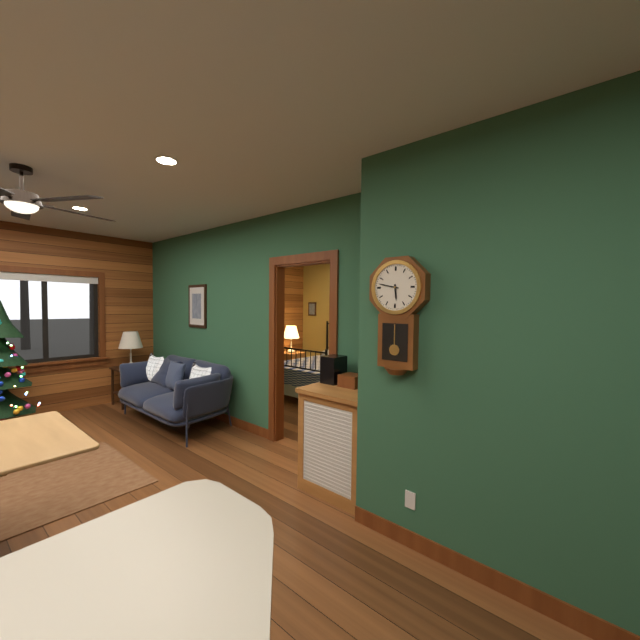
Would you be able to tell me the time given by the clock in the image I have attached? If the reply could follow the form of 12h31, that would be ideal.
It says 5h47
